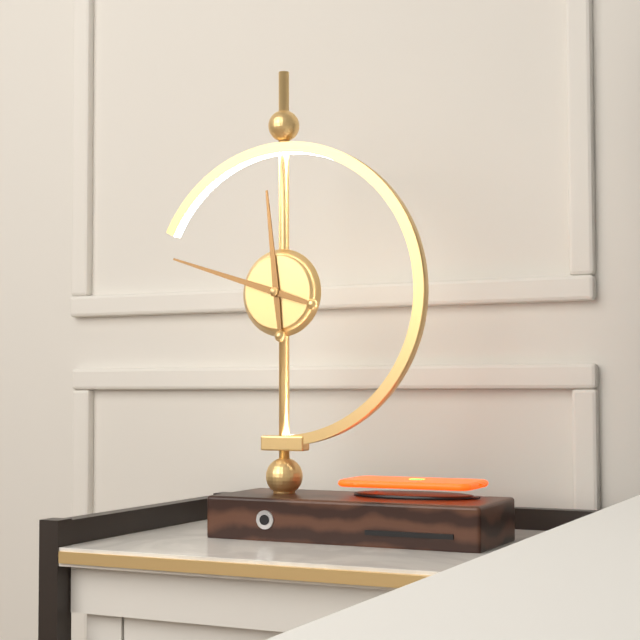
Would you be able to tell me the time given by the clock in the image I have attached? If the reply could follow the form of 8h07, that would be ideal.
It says 11h48
